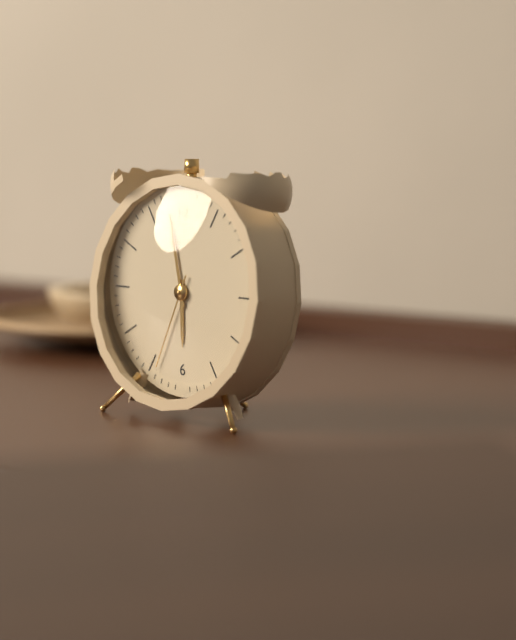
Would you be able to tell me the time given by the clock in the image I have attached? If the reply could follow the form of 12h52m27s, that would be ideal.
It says 5h58m34s
